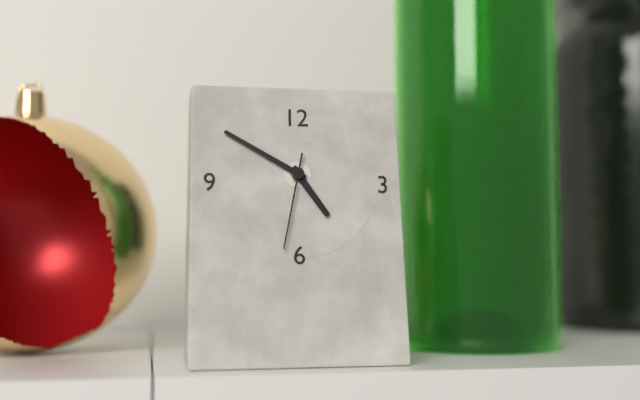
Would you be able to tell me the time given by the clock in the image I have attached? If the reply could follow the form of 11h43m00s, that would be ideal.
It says 4h50m32s
